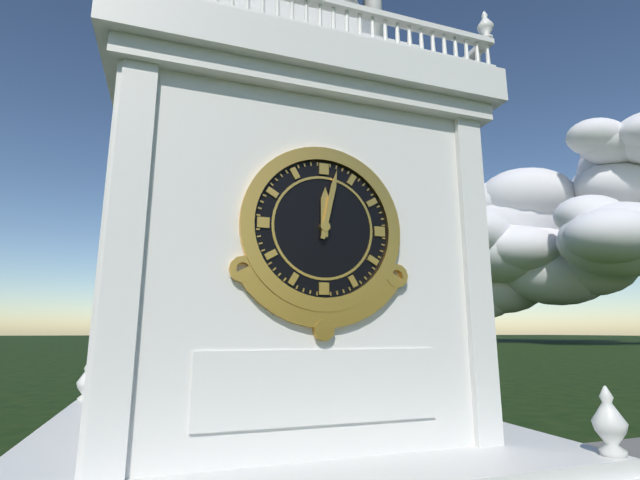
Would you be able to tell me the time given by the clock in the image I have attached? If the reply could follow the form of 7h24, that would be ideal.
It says 12h02
